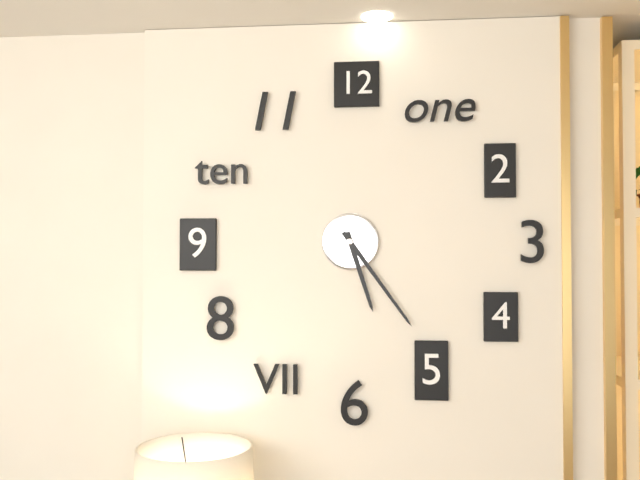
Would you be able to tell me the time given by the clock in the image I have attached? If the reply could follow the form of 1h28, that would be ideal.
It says 5h24
